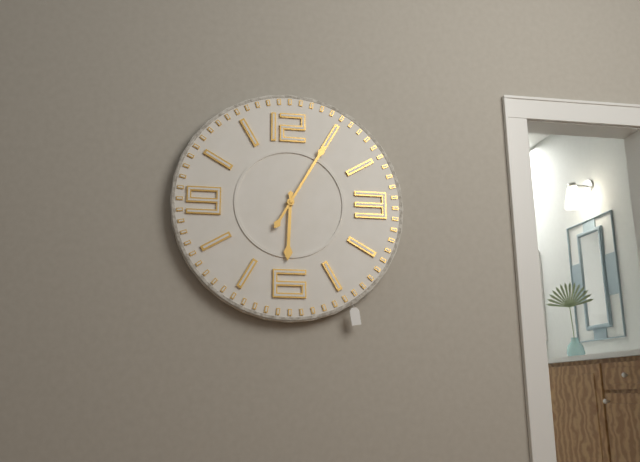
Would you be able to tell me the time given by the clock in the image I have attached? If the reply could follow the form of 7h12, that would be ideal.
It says 6h05
